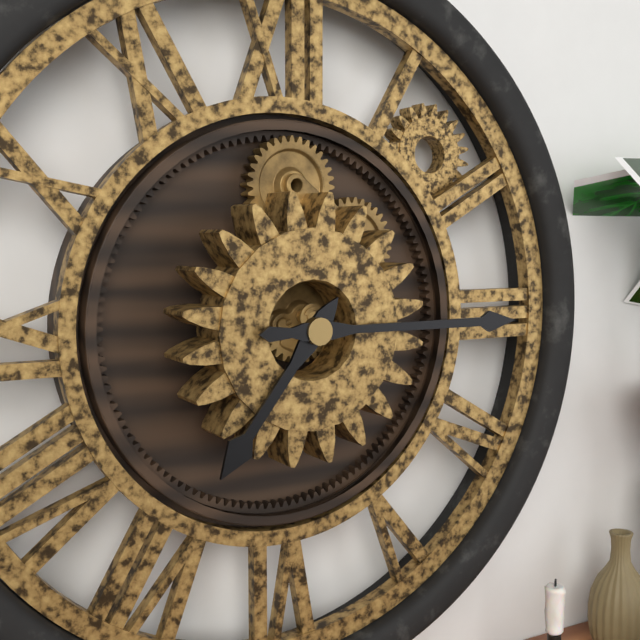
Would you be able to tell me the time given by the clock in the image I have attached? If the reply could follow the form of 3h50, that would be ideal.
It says 7h15
